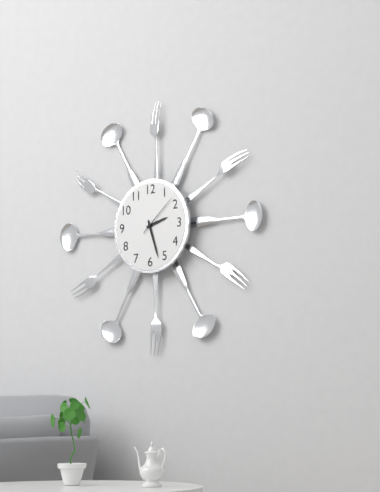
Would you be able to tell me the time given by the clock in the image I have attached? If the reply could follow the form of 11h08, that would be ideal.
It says 2h27
